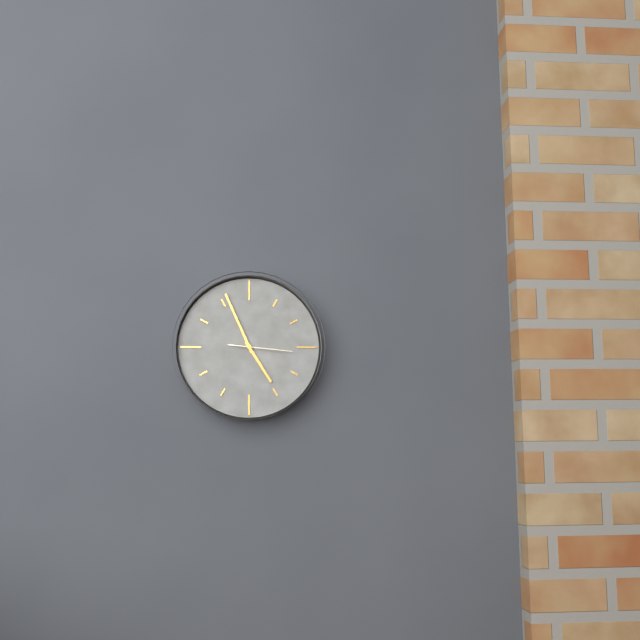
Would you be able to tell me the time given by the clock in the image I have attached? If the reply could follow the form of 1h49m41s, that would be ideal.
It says 4h56m16s
